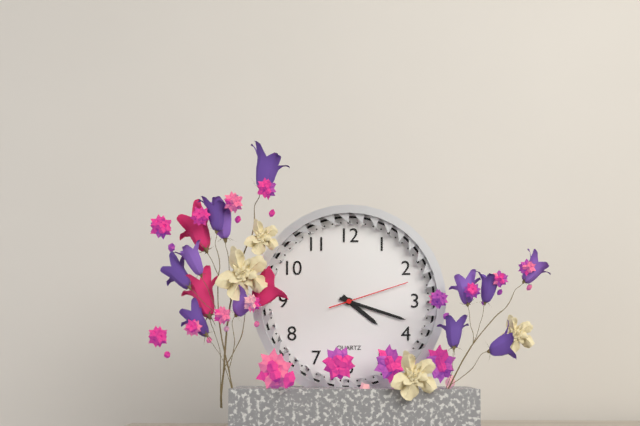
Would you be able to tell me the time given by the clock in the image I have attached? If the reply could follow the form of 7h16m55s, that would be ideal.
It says 4h18m12s
